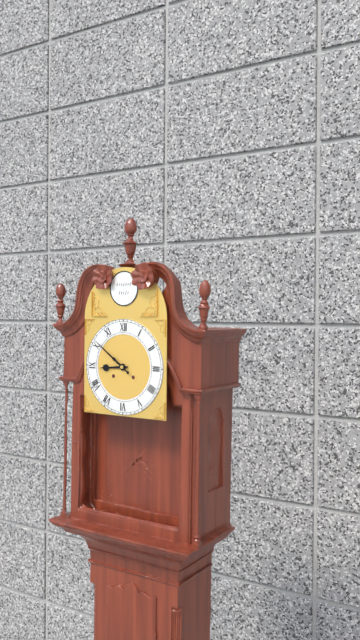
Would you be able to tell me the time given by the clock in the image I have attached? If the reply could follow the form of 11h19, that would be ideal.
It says 8h51
